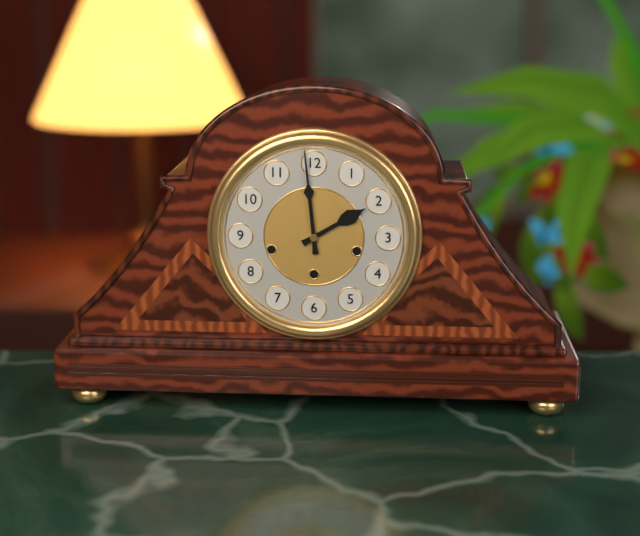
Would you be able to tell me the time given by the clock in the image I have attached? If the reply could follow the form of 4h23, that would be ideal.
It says 1h59
